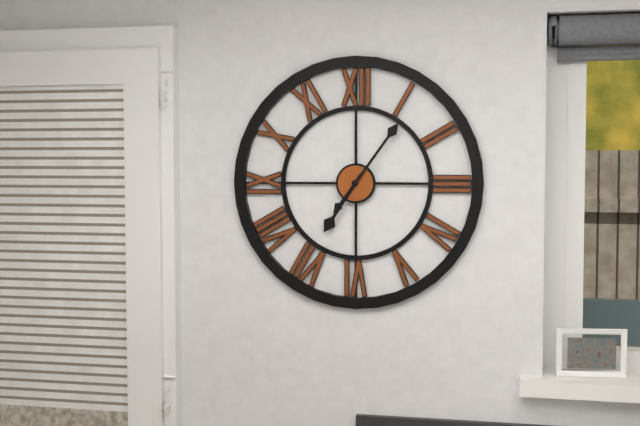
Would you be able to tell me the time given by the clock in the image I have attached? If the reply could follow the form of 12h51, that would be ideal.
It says 7h06
